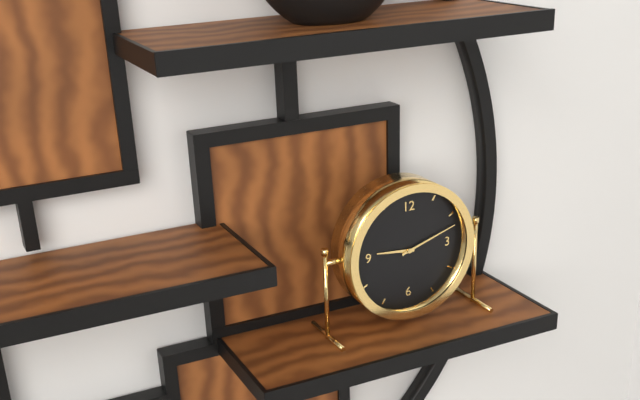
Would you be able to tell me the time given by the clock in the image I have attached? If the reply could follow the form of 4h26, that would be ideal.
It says 9h12
